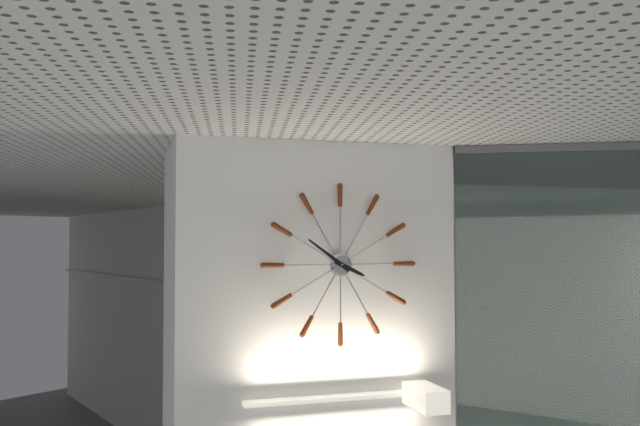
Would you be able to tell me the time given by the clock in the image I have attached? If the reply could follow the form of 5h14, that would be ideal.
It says 3h51
